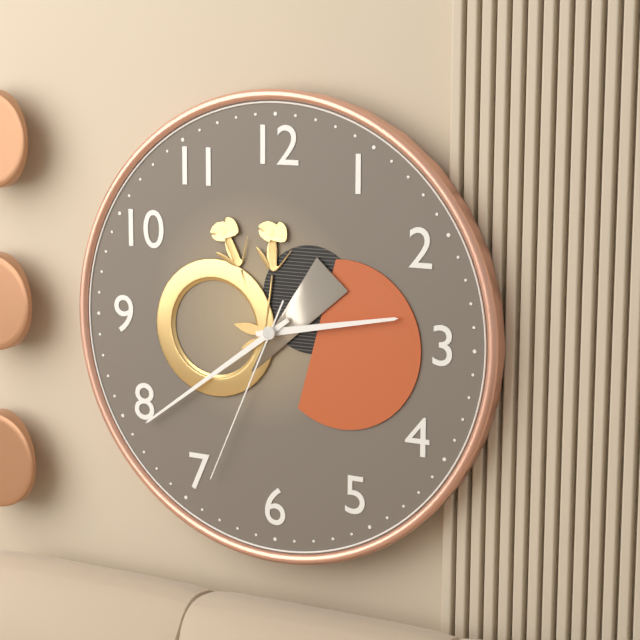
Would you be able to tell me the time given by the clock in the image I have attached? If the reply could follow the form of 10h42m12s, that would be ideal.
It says 2h39m34s
